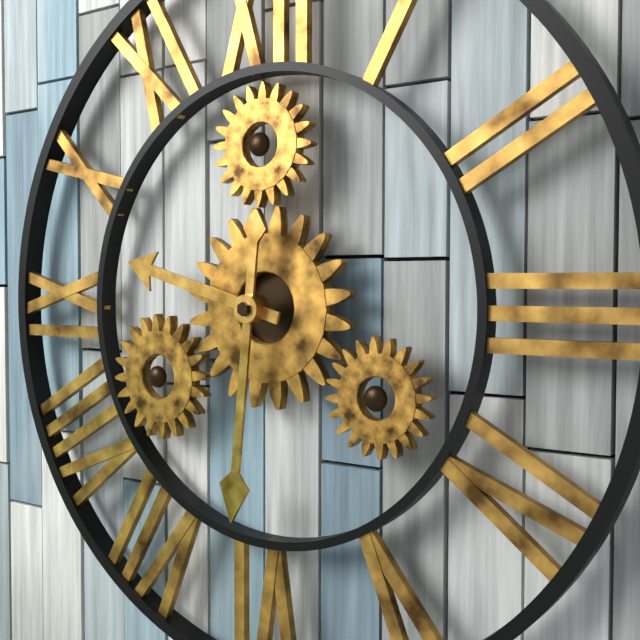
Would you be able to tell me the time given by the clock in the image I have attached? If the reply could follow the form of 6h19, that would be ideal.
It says 9h31
